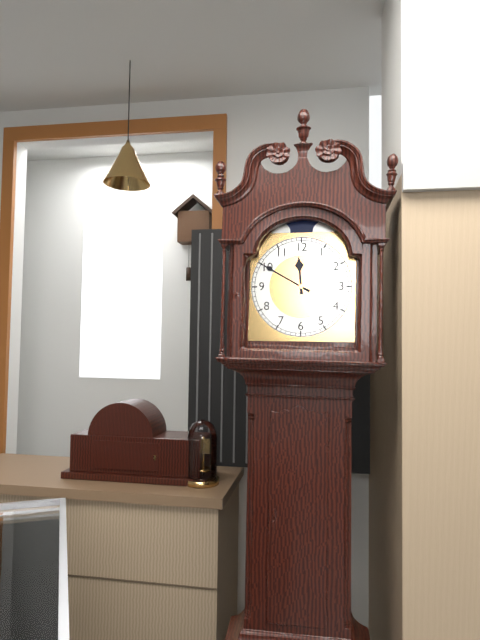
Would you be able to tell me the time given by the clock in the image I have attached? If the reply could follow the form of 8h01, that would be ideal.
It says 11h50
